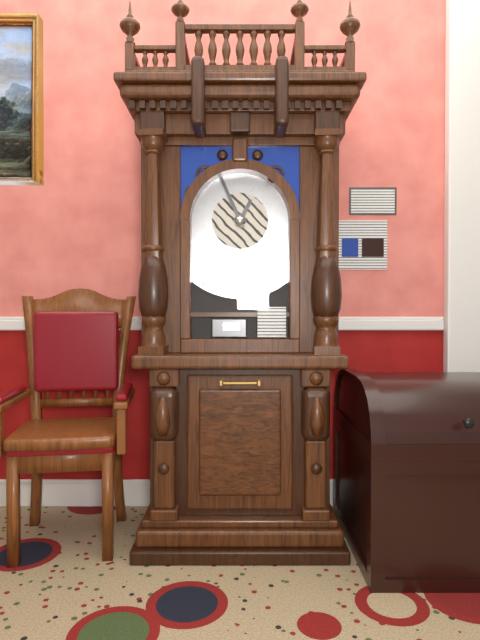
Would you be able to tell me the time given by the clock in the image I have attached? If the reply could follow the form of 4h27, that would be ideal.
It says 12h56
